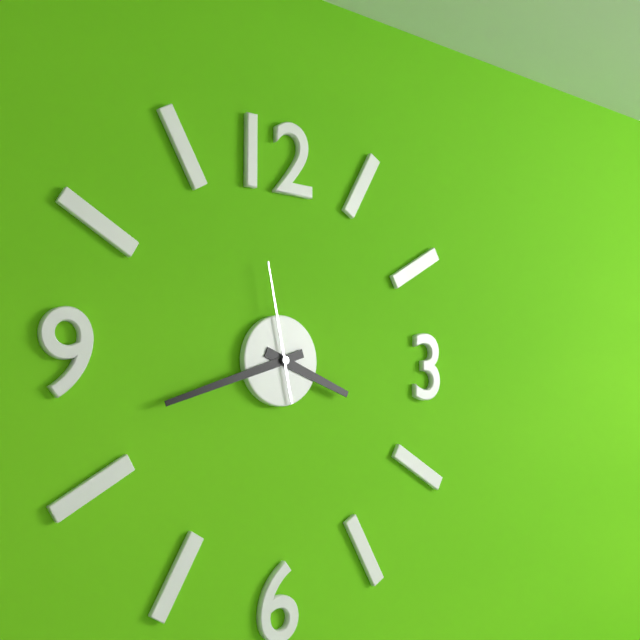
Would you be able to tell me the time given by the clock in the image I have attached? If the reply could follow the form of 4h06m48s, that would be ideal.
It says 3h42m58s
